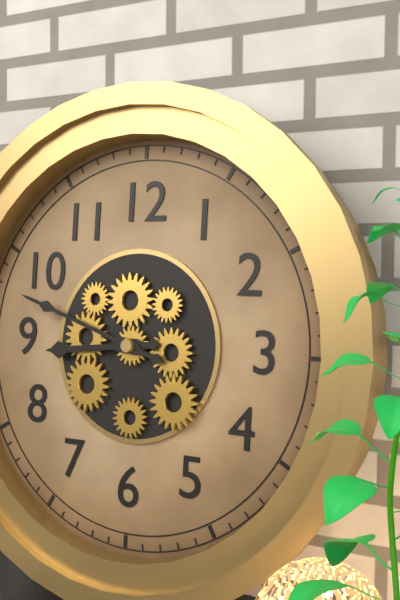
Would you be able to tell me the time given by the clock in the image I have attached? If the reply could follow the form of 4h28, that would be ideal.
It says 8h48
